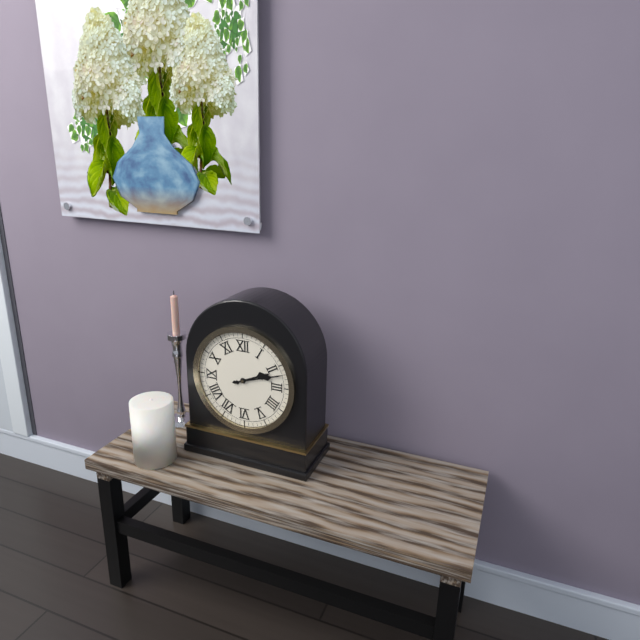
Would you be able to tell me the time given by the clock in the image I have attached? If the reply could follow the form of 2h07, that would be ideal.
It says 2h12
